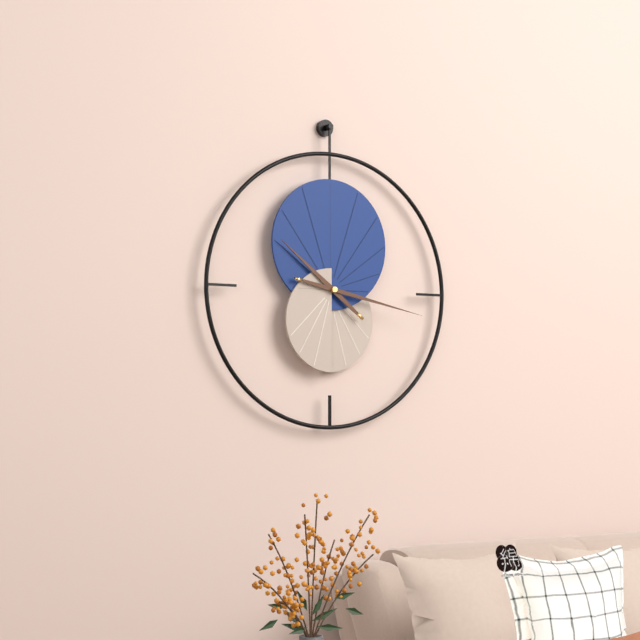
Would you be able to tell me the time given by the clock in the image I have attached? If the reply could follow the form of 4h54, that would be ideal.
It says 10h17
